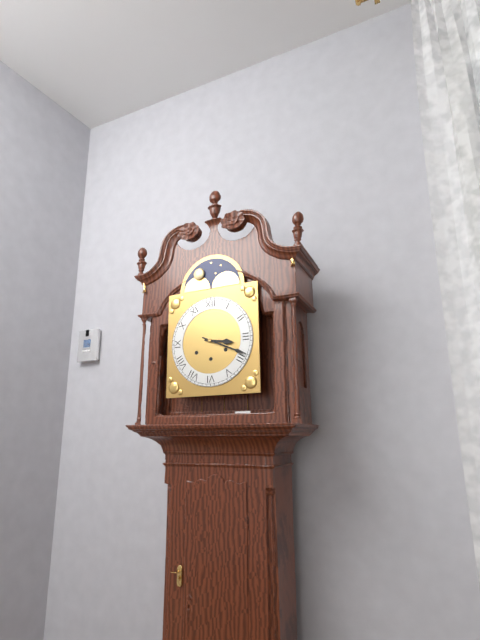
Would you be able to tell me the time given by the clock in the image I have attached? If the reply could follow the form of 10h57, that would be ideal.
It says 3h19
